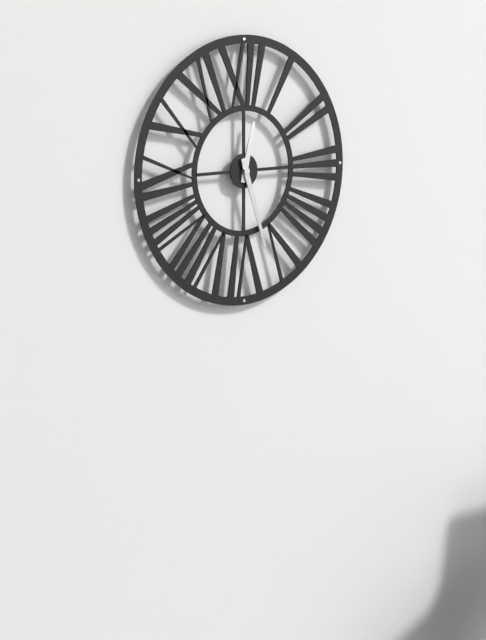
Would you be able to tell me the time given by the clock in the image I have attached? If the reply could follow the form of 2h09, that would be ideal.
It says 12h27
